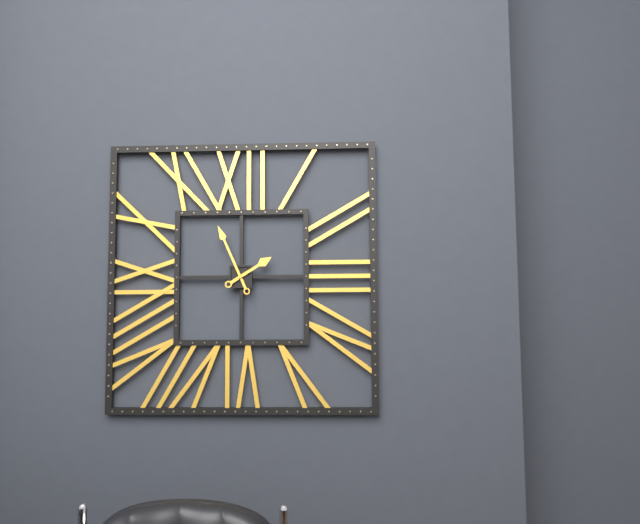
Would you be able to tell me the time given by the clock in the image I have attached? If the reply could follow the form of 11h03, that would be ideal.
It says 1h56
